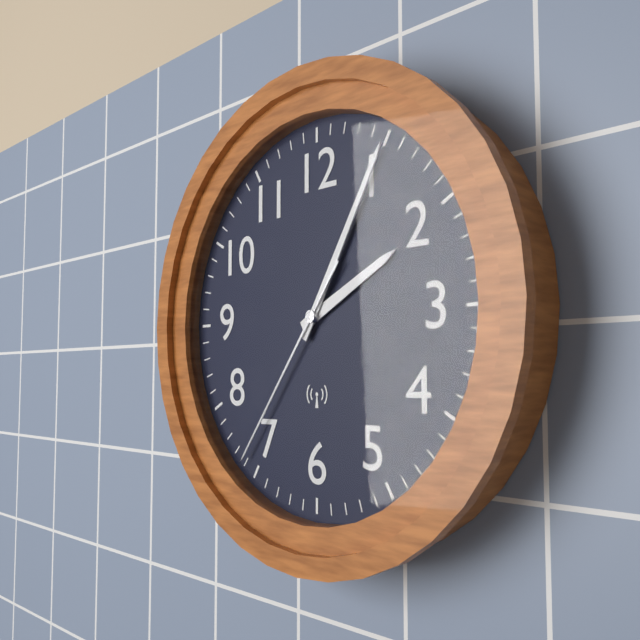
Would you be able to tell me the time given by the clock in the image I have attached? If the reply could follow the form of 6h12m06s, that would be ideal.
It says 2h05m36s
